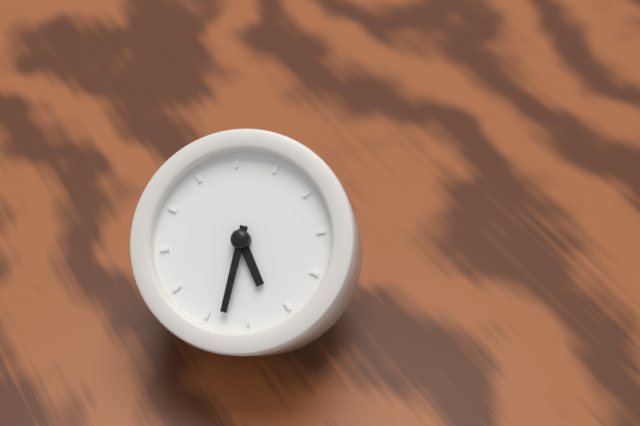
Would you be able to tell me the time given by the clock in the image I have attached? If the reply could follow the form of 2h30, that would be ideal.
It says 3h23
